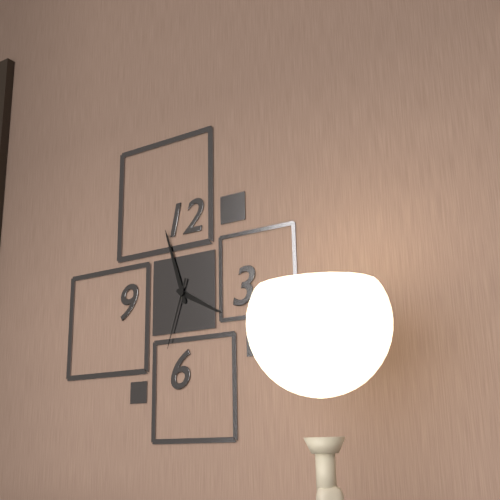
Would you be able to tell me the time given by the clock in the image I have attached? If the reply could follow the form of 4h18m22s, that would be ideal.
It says 3h57m33s
